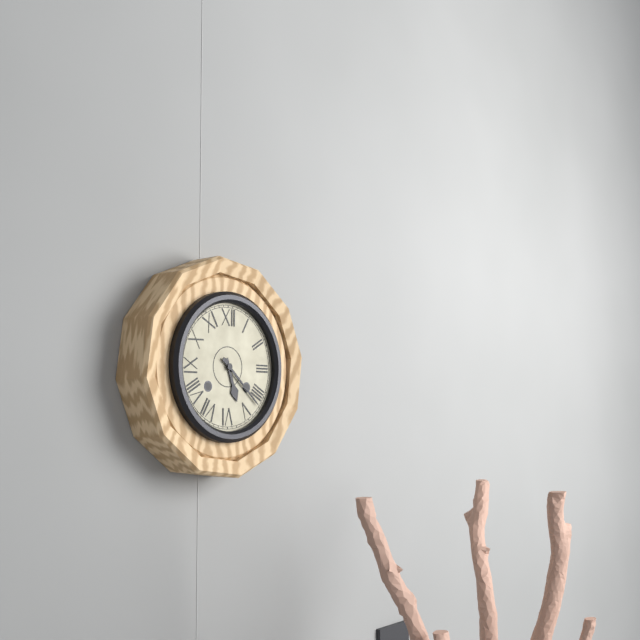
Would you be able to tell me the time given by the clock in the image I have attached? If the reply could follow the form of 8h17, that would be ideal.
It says 5h22
